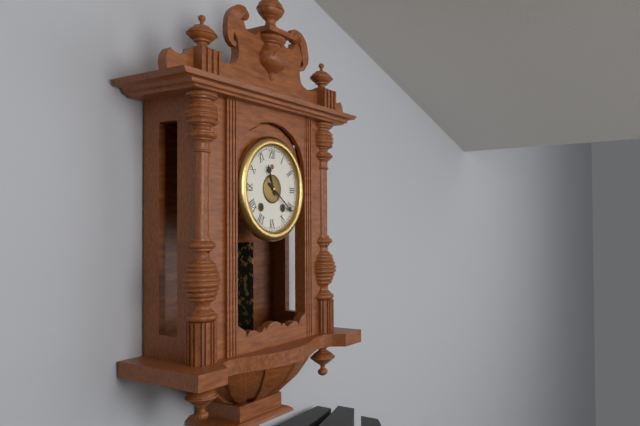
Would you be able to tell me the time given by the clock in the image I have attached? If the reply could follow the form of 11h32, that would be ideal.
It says 11h21
